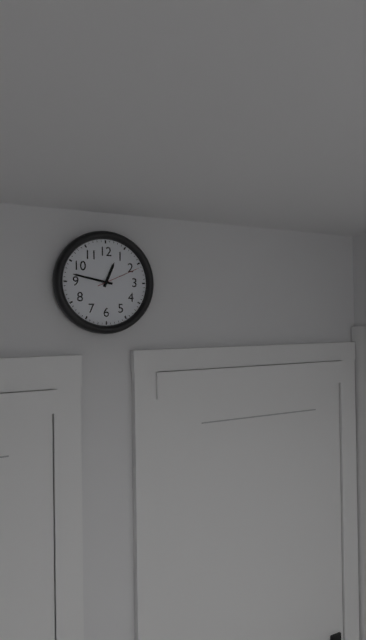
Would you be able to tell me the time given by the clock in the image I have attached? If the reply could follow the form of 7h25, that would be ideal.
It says 12h47
